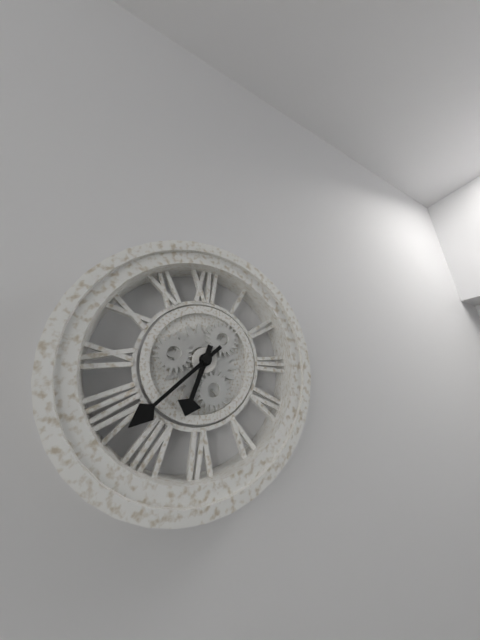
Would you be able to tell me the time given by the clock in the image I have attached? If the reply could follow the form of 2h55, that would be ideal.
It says 6h38
